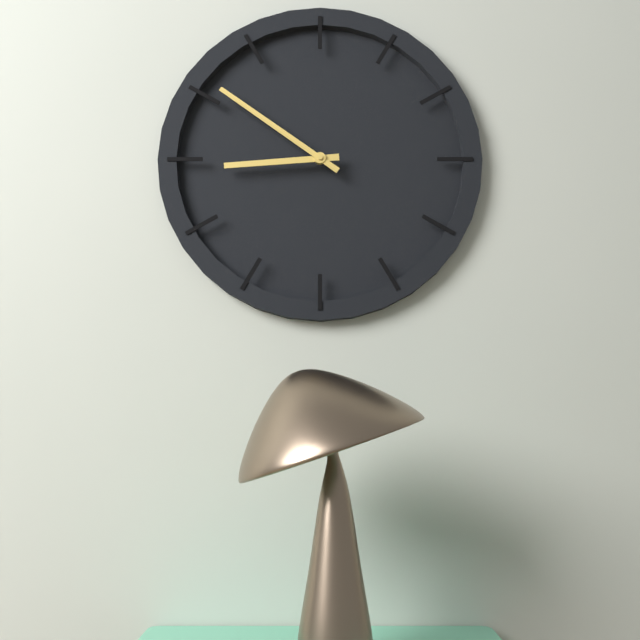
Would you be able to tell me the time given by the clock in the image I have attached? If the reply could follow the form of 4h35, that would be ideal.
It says 8h51
